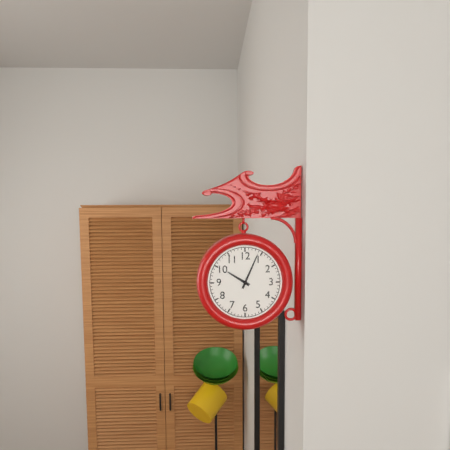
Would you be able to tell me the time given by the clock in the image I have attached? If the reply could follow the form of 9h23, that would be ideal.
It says 10h04
